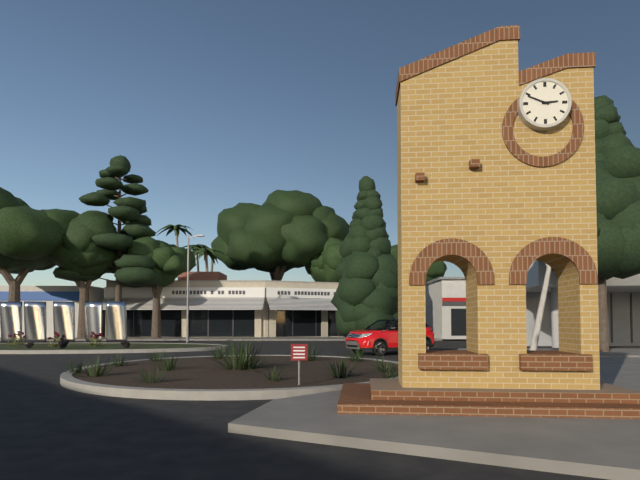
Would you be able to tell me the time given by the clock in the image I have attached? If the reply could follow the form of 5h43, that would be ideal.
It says 2h49
